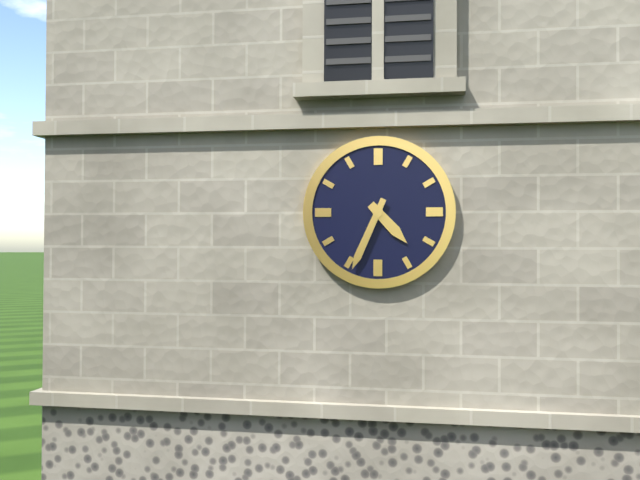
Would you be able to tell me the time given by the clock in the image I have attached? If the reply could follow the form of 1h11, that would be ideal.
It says 4h34
